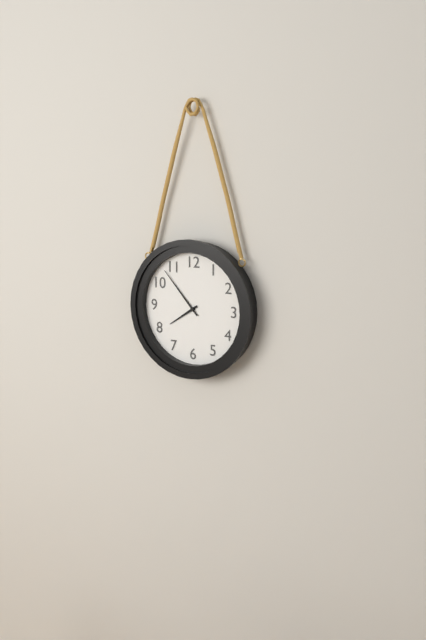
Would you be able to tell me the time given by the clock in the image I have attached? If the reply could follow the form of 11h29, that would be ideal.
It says 7h53
